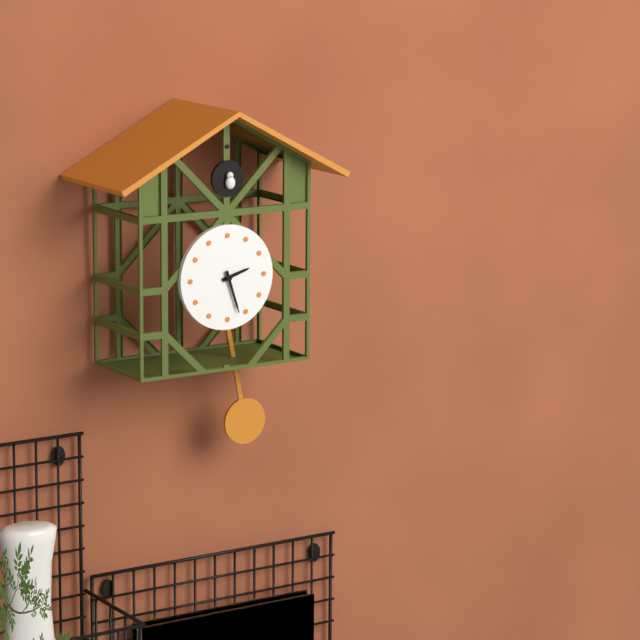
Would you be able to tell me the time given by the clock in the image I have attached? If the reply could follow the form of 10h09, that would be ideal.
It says 2h27
